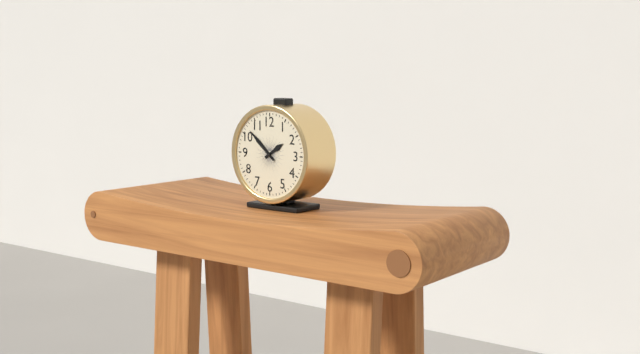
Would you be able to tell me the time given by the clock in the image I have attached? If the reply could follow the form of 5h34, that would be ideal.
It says 1h52
